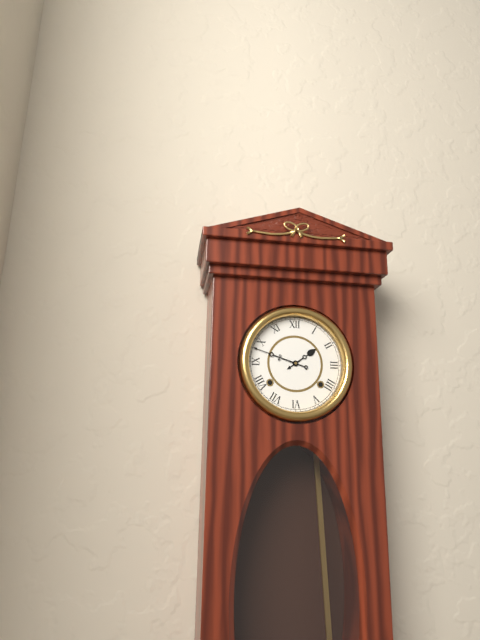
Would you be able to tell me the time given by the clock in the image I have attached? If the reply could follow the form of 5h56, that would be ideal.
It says 1h48
